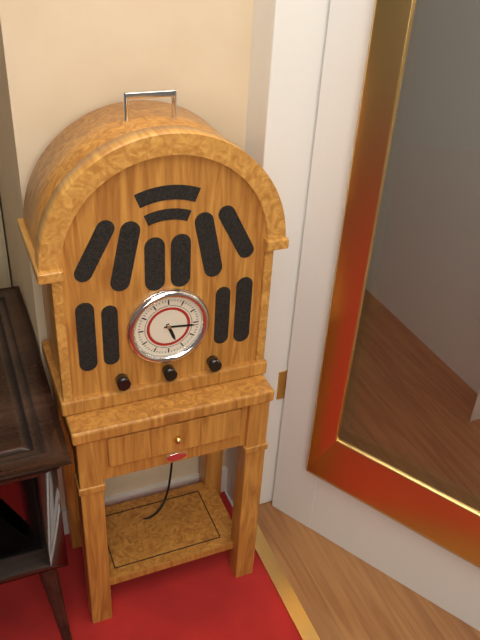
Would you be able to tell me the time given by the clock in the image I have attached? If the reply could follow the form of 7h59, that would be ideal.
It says 5h16
